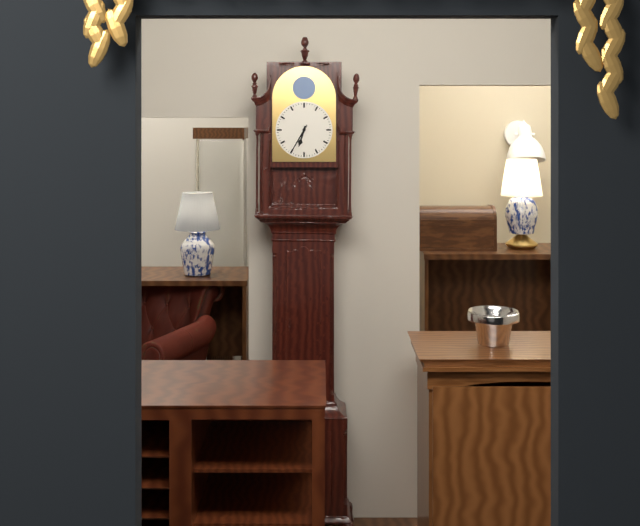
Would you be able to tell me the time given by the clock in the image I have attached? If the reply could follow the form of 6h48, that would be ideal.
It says 6h35
